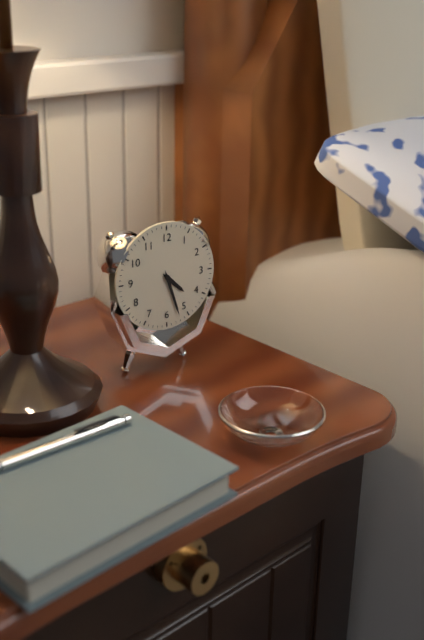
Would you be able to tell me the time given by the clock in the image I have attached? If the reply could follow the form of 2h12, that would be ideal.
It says 4h27
